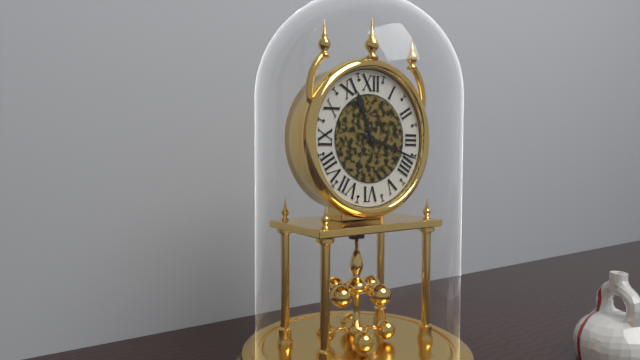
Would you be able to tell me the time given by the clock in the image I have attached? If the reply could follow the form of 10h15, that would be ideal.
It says 11h18
